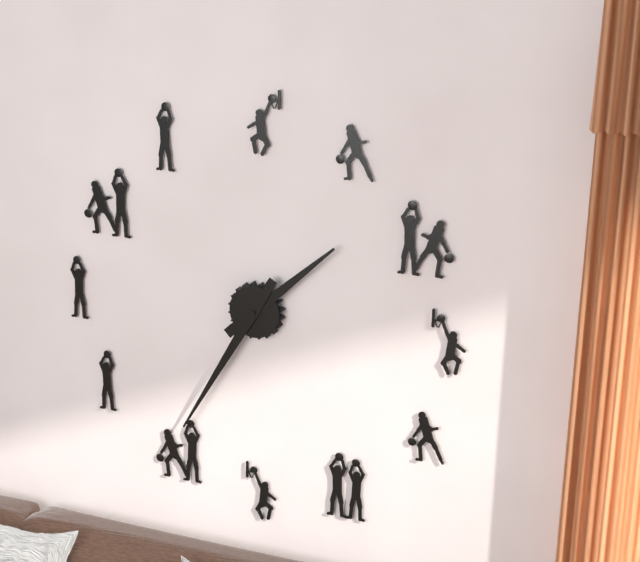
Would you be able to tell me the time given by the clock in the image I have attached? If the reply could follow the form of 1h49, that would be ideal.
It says 1h35
